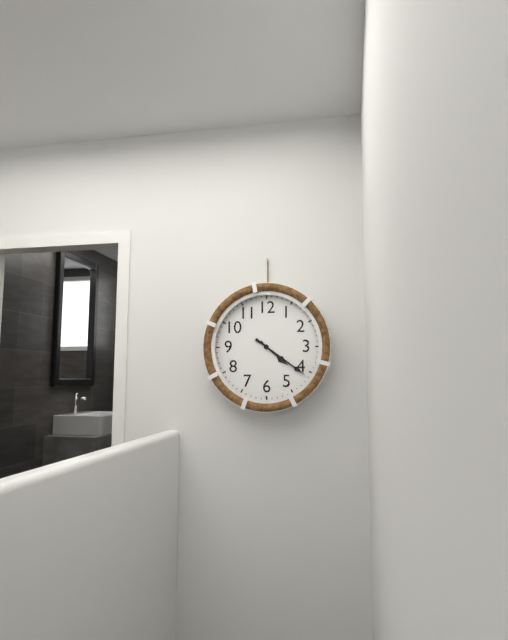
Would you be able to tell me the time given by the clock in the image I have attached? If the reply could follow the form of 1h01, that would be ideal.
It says 4h21
